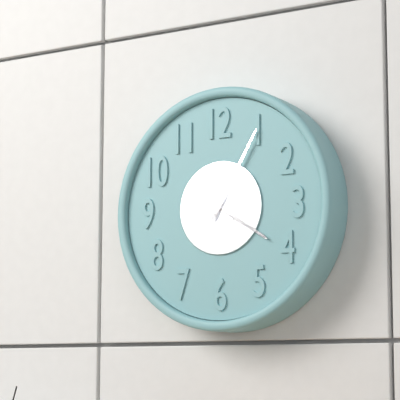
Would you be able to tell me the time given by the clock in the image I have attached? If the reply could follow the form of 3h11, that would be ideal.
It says 4h05
